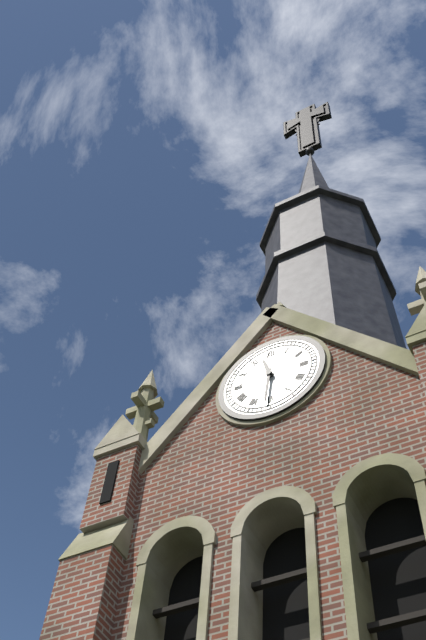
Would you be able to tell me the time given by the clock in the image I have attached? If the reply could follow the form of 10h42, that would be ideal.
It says 11h31
